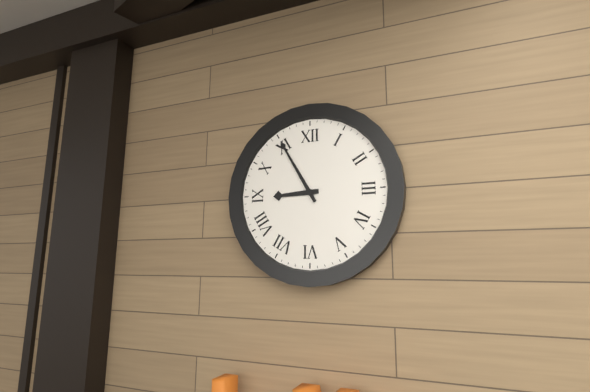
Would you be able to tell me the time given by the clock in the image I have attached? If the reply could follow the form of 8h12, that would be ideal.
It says 8h55
